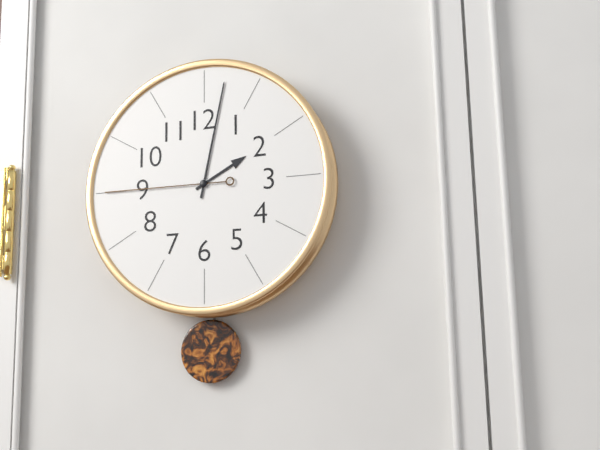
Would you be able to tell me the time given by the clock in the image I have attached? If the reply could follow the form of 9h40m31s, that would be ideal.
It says 2h02m45s
